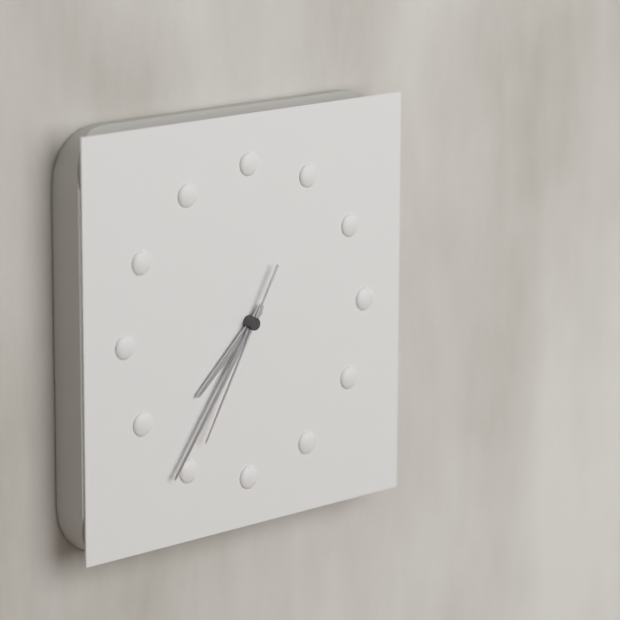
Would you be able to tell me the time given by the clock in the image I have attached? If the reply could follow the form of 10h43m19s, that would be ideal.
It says 7h36m35s
